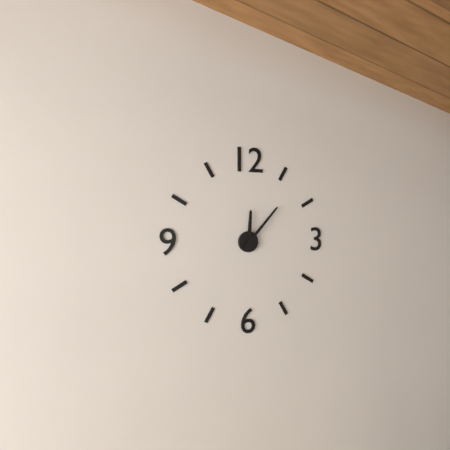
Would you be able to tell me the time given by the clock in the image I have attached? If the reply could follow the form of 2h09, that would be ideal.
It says 12h07
